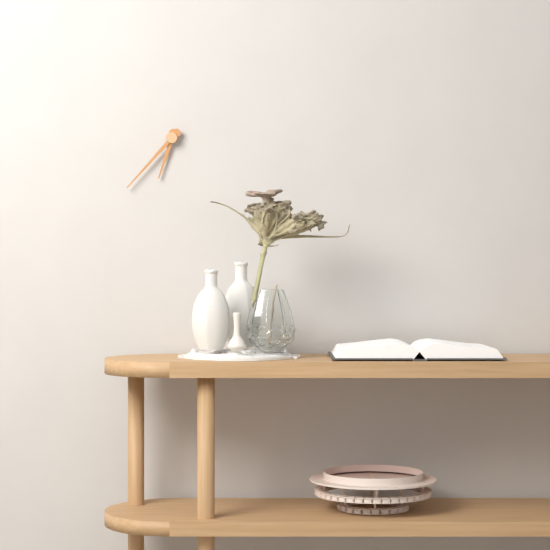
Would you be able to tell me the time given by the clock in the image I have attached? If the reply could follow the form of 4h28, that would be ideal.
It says 6h37
